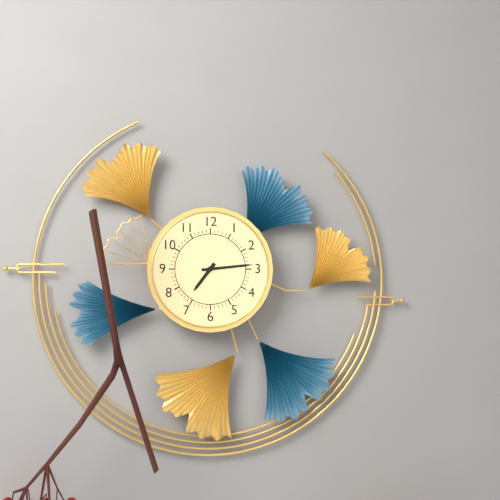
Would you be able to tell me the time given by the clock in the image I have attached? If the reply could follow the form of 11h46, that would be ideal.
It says 7h14
